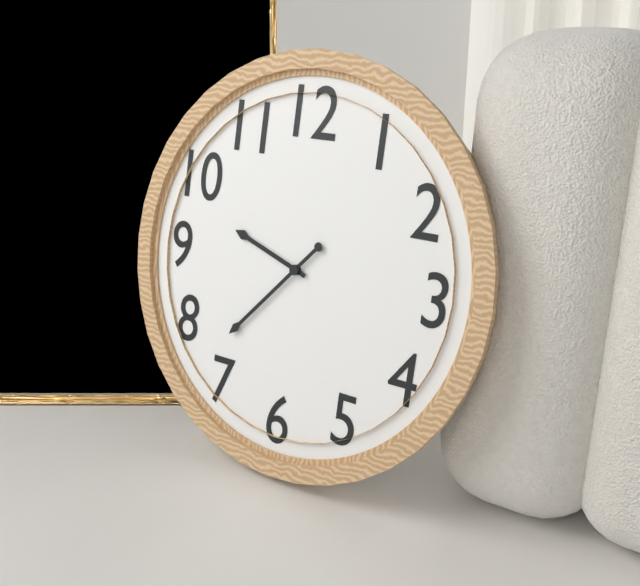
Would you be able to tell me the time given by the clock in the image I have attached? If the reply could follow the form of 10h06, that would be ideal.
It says 9h37
